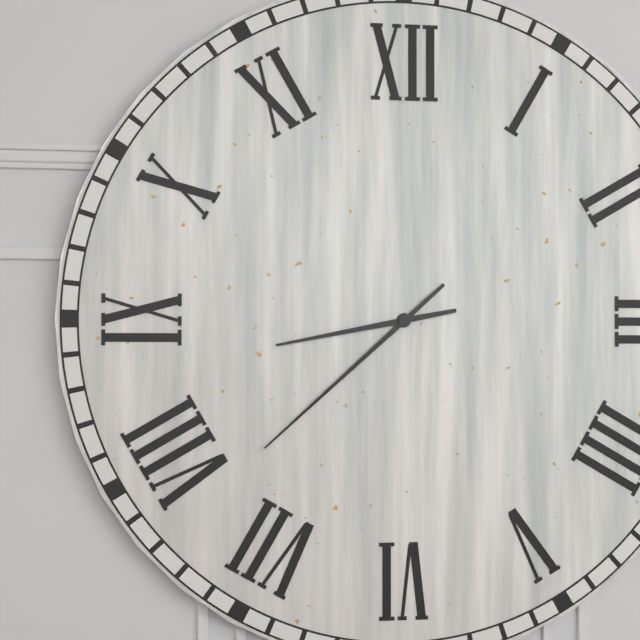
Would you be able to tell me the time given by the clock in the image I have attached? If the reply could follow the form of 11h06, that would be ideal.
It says 8h38
